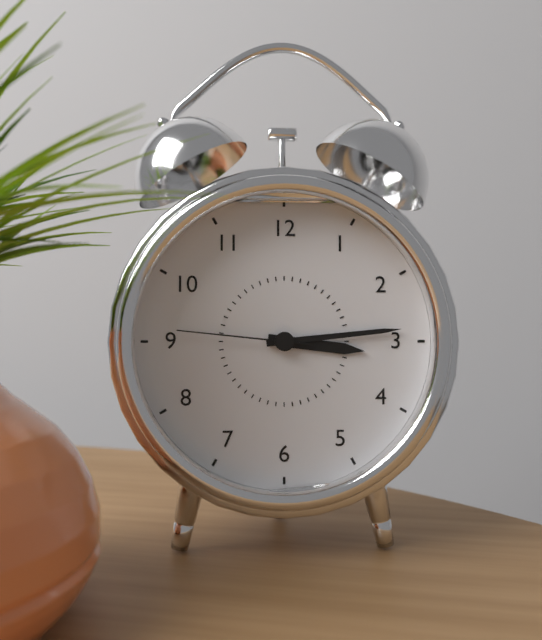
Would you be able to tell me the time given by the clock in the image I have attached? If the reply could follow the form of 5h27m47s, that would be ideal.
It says 3h14m46s
